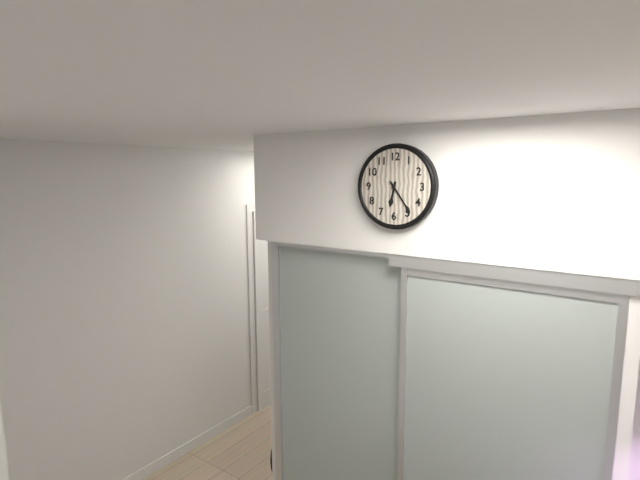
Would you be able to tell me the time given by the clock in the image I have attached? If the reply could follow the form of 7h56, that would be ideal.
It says 6h24
